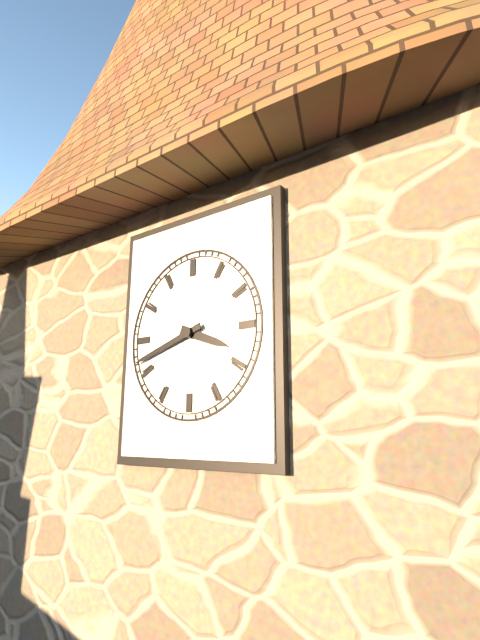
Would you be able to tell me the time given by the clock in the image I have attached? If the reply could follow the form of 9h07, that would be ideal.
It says 3h42
